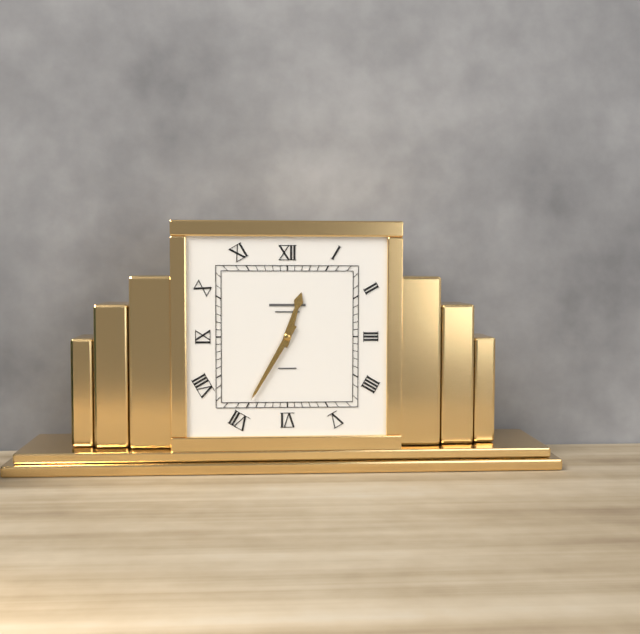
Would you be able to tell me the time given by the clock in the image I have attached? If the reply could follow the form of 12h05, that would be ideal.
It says 12h35
